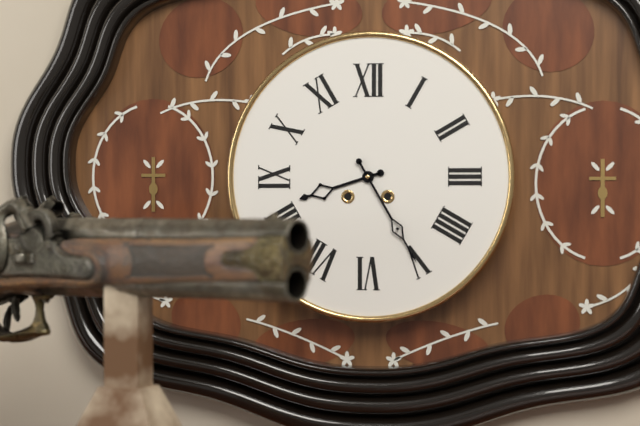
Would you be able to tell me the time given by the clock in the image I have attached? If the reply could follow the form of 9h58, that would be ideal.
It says 8h25
